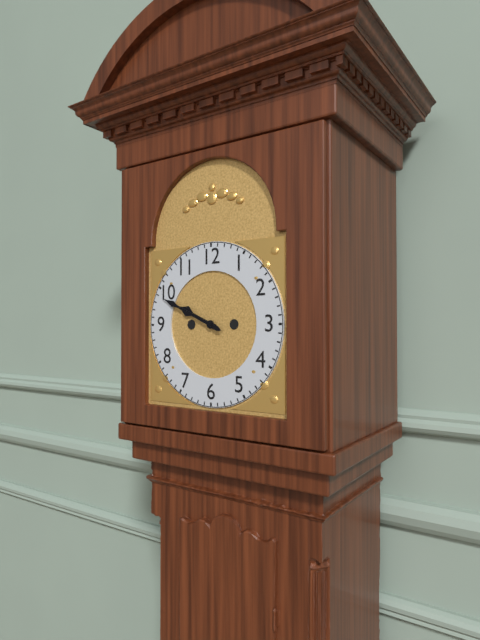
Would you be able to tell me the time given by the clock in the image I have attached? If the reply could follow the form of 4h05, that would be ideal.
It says 9h49
